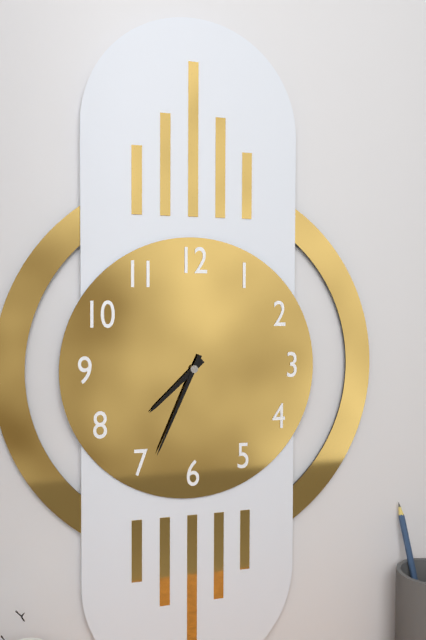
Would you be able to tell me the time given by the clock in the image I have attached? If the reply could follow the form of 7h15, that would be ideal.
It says 7h34
